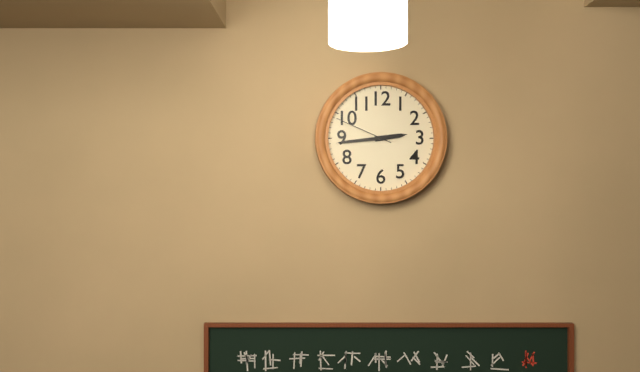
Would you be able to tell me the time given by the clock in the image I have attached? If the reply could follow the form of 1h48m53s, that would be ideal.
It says 2h44m49s
